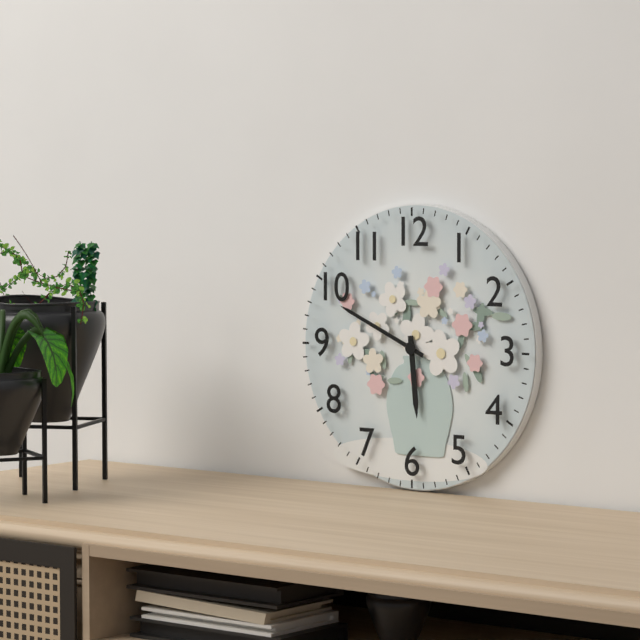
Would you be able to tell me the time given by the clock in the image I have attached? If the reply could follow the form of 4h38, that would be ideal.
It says 5h49
